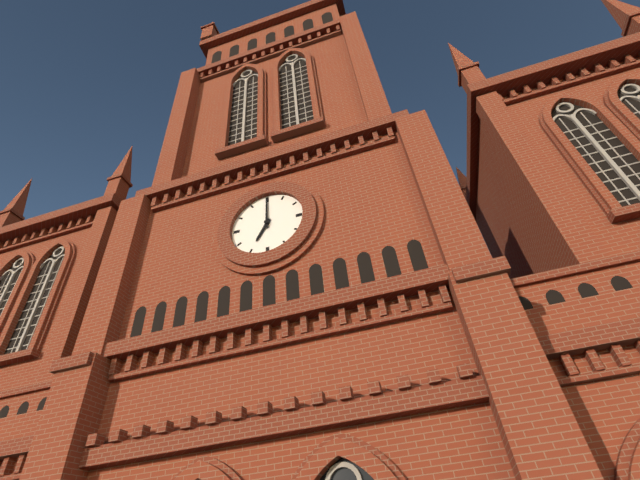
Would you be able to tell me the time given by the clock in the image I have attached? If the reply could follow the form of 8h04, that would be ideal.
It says 7h00
